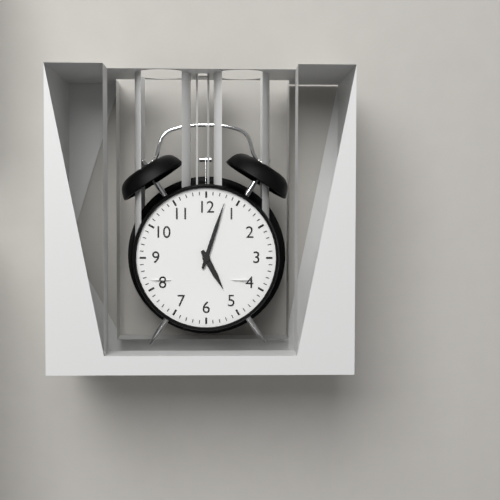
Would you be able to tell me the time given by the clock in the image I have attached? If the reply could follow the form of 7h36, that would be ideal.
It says 5h03
